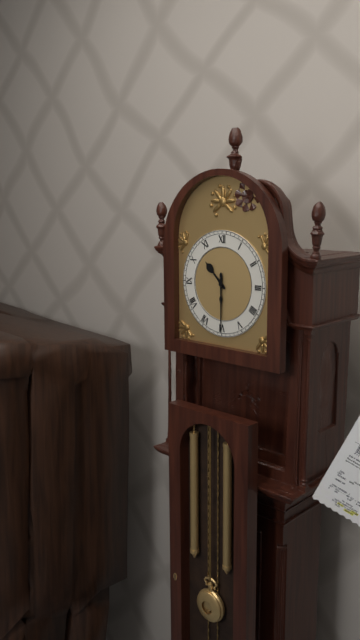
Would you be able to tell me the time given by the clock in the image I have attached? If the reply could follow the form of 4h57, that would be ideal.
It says 10h30
